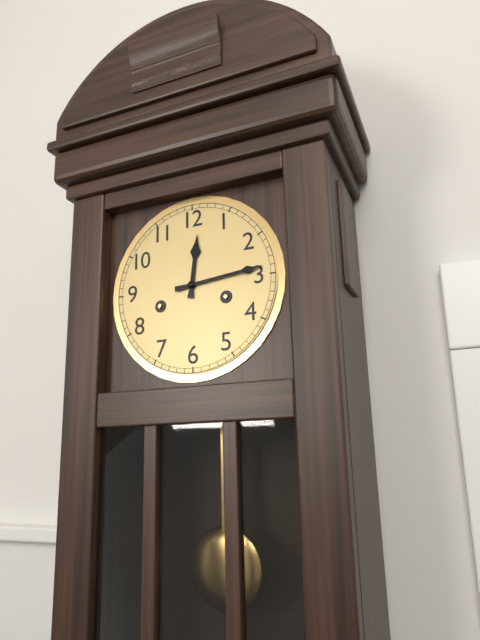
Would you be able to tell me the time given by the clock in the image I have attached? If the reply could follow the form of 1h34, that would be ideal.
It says 12h14
